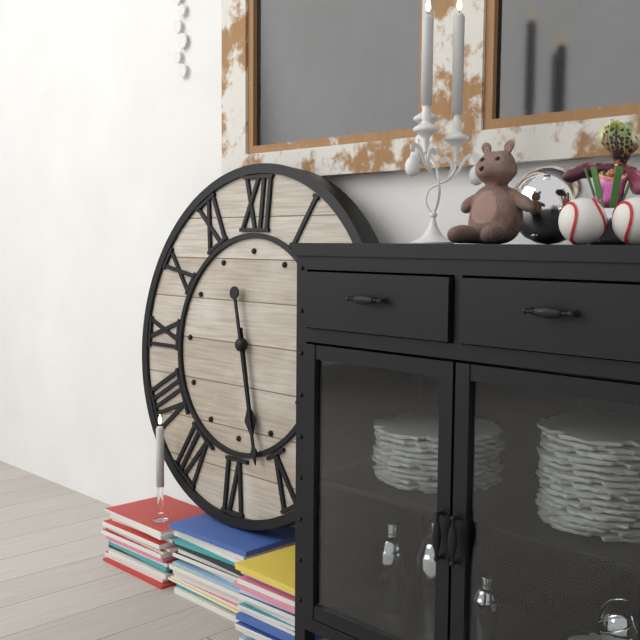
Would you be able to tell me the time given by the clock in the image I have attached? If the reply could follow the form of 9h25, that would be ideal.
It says 5h27
